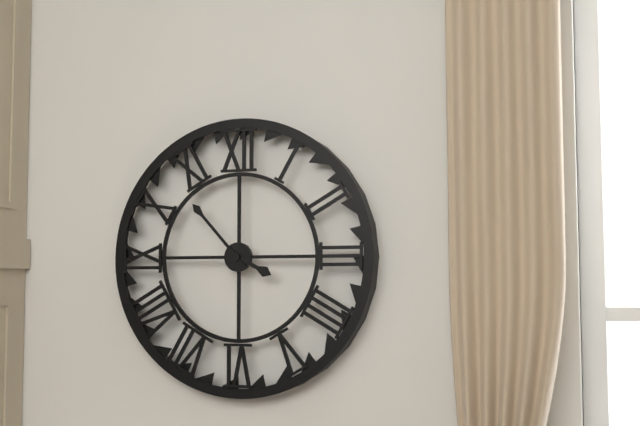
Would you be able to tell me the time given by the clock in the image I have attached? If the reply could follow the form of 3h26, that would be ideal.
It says 3h53
